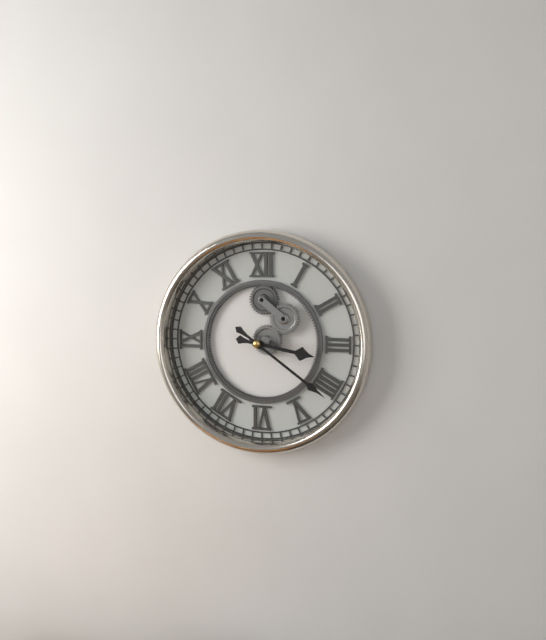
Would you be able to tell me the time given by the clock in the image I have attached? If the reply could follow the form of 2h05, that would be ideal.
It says 3h21
